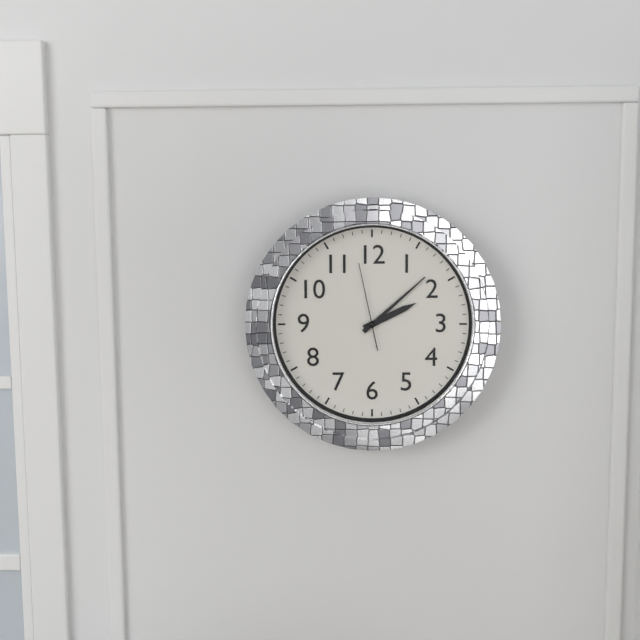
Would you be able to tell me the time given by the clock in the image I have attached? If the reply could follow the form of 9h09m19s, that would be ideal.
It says 2h08m58s
